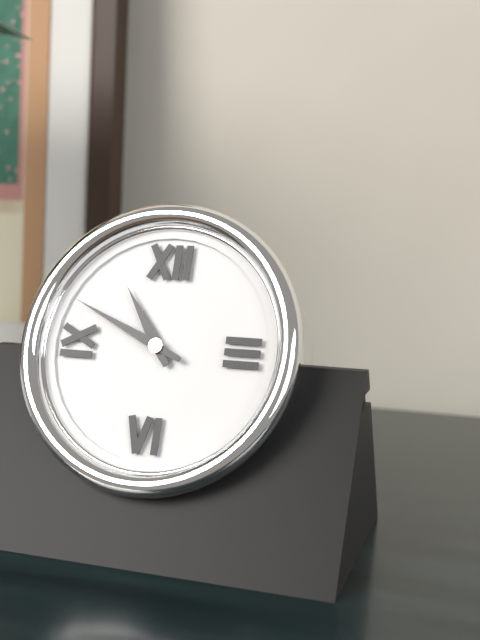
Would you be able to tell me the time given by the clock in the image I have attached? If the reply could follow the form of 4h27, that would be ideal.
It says 10h49
